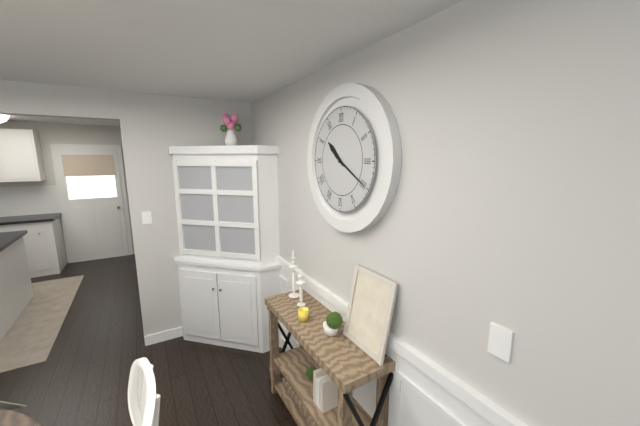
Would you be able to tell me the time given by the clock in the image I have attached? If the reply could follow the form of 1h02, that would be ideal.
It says 10h20
